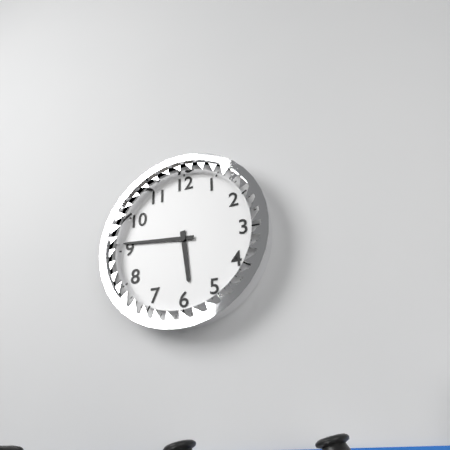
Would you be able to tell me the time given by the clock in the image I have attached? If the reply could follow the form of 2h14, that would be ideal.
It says 5h46
